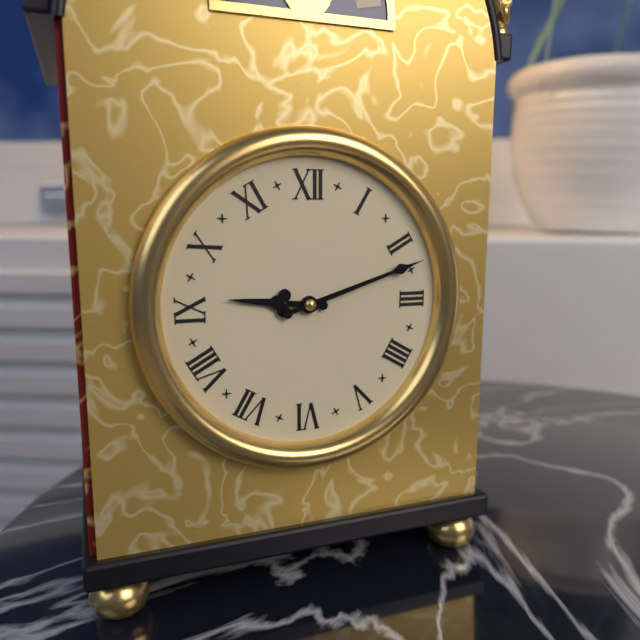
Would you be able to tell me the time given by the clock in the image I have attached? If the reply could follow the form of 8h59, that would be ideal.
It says 9h12
